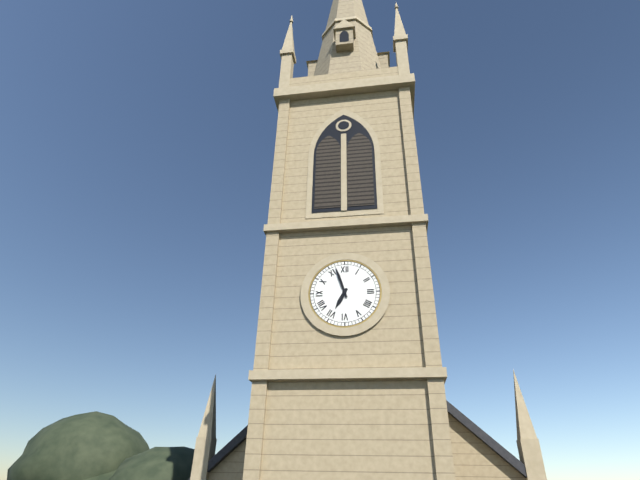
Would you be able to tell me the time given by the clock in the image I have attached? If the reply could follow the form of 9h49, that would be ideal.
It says 6h57
